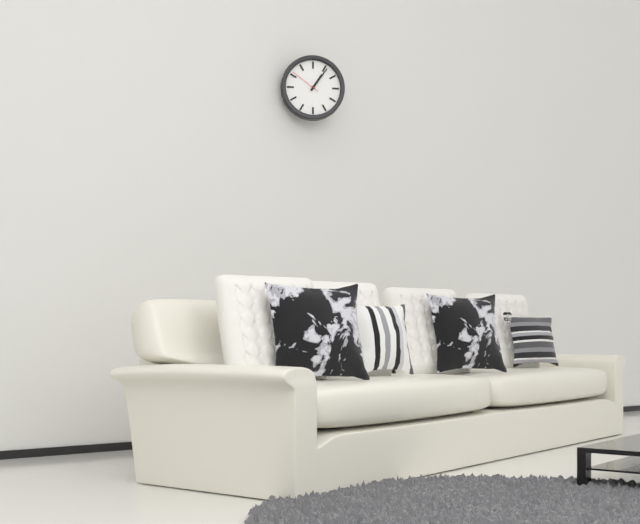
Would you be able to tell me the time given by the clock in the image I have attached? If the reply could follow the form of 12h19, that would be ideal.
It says 1h06
